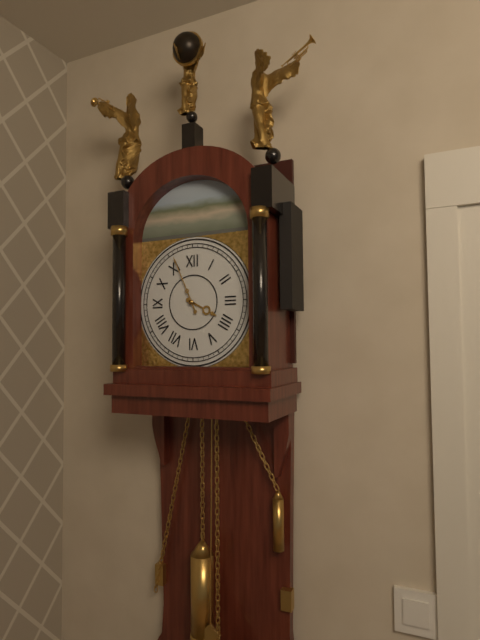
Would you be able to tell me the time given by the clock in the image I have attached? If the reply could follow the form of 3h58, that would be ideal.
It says 3h56
